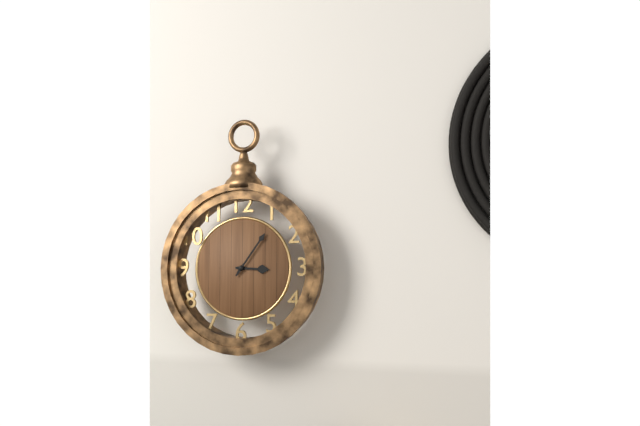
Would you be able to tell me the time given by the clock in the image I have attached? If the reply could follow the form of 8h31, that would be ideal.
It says 3h06
